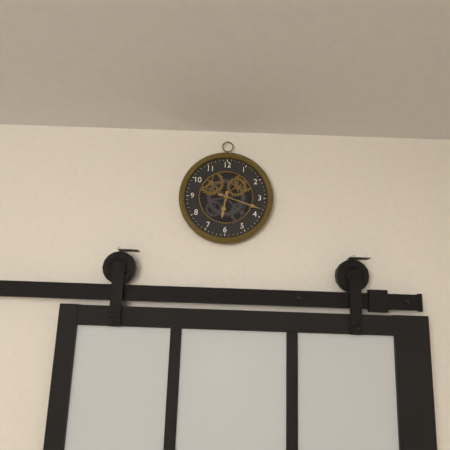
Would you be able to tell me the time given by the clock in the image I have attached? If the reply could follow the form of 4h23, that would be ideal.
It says 6h18
